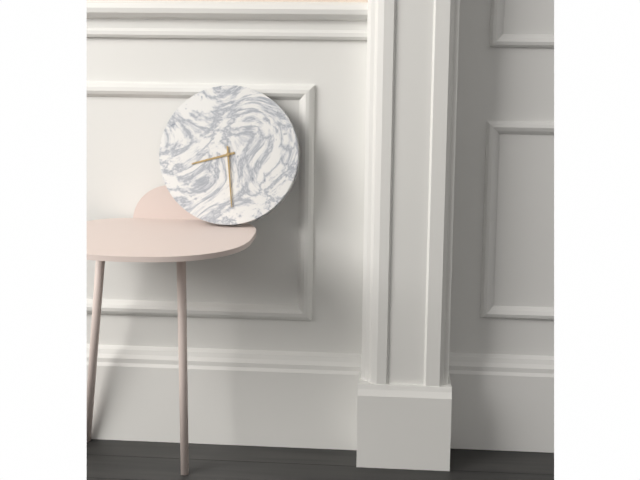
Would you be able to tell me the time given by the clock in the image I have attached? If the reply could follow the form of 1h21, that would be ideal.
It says 8h29
